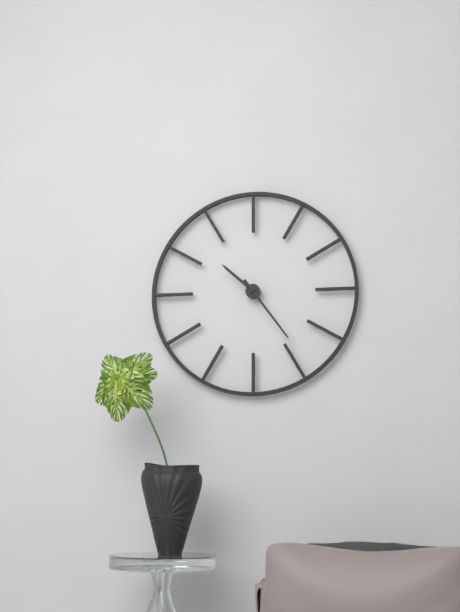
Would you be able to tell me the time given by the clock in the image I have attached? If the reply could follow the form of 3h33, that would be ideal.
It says 10h24
